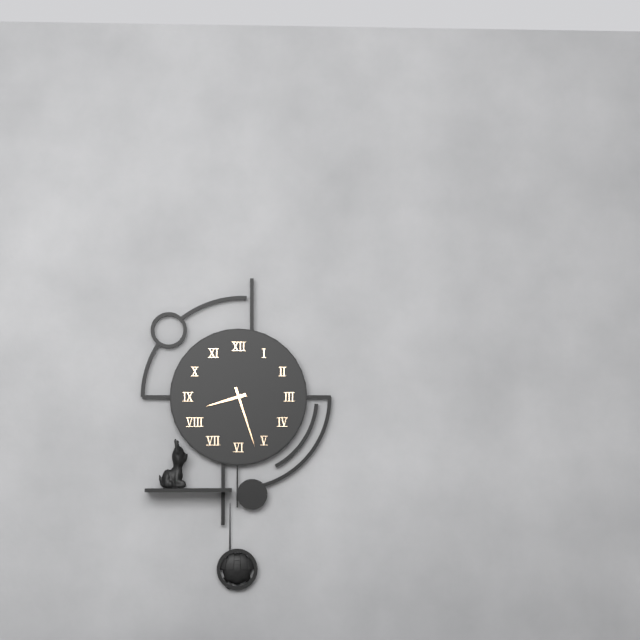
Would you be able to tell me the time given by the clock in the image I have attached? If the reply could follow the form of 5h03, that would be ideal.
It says 8h27
